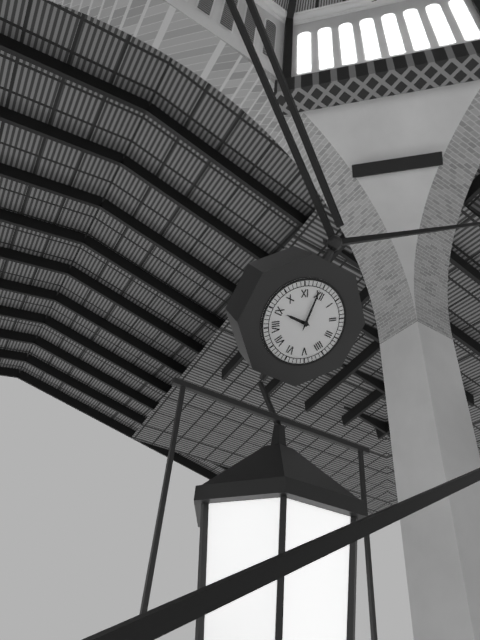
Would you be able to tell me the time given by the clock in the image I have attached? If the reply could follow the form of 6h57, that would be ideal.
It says 8h59
